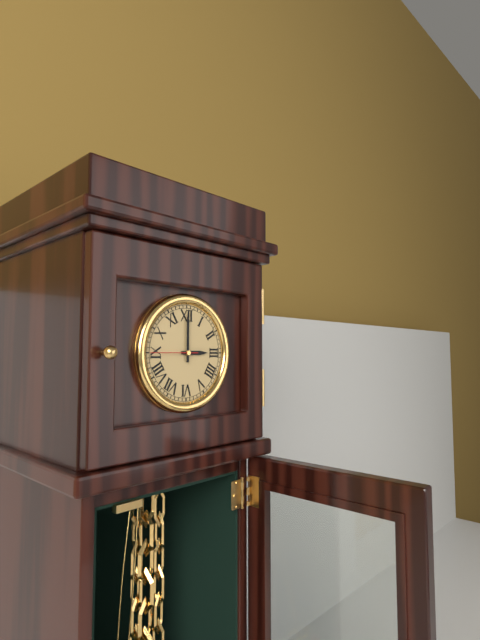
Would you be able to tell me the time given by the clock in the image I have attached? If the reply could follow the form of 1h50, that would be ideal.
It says 3h00
